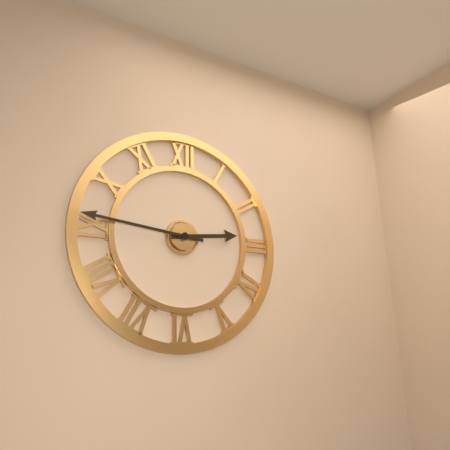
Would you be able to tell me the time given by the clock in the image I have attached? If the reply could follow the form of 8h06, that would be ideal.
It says 2h46
